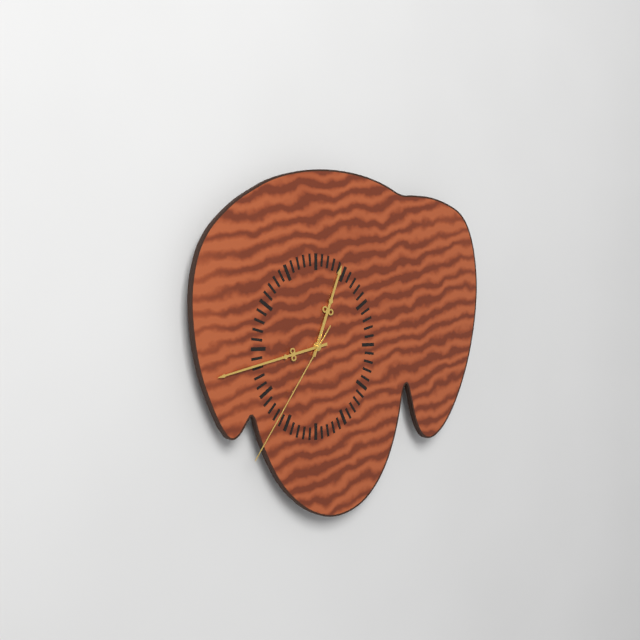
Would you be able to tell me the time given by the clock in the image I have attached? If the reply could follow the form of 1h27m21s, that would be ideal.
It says 12h43m36s
